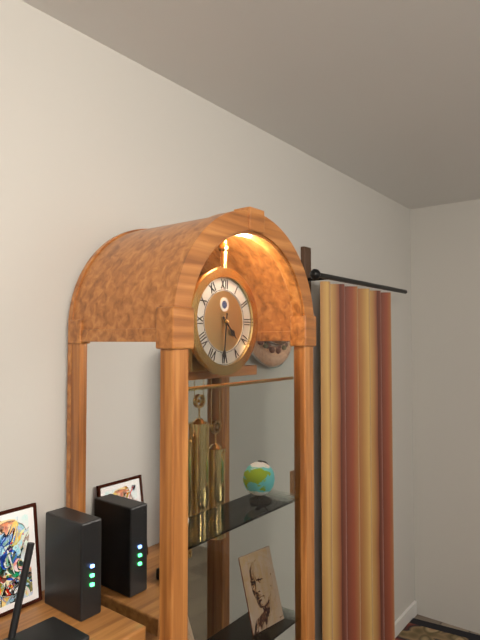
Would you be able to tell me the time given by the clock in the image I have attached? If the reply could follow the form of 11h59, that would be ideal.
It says 4h31
